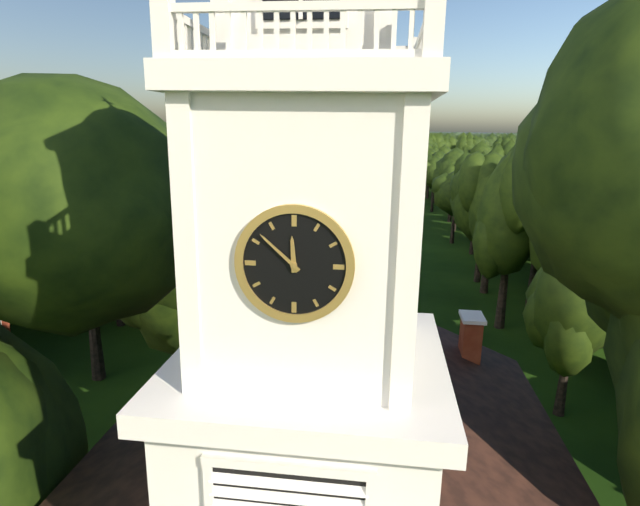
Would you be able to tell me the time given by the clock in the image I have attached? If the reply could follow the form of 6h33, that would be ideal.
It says 11h52
